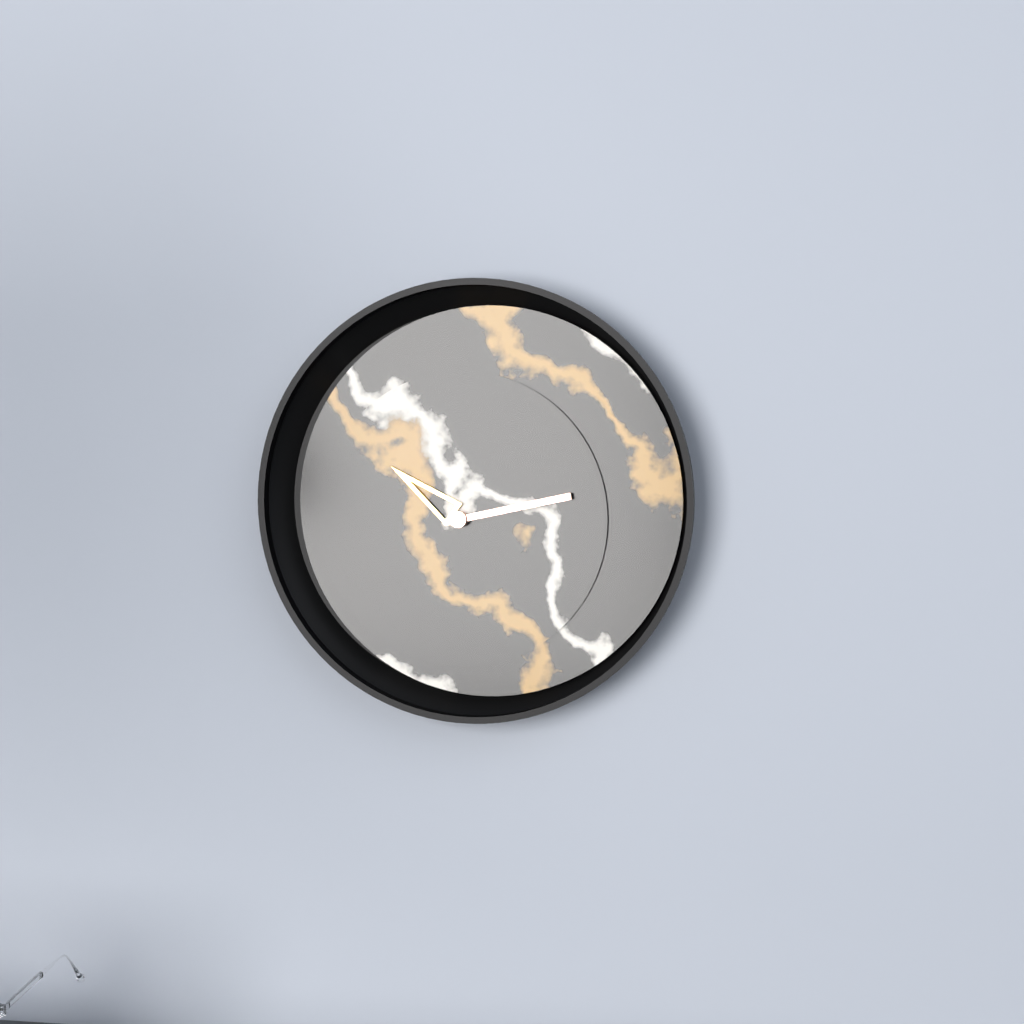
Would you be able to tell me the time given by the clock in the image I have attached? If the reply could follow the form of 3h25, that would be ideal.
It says 10h13
